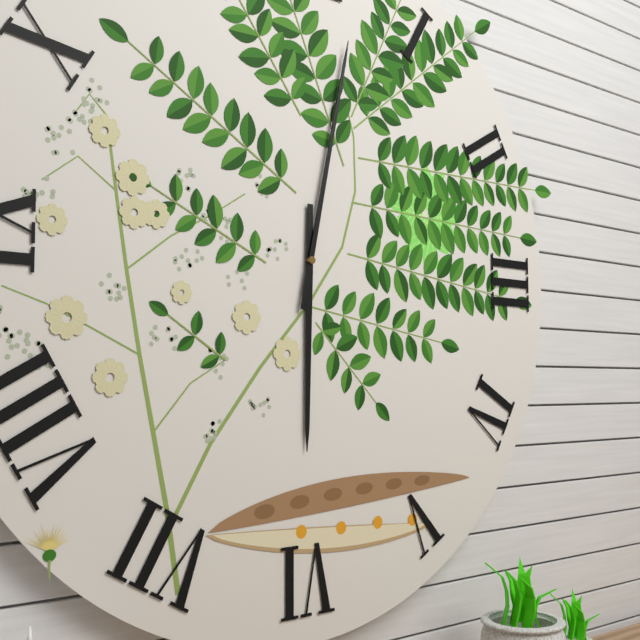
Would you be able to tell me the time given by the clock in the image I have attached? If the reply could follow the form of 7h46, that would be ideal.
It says 6h02
